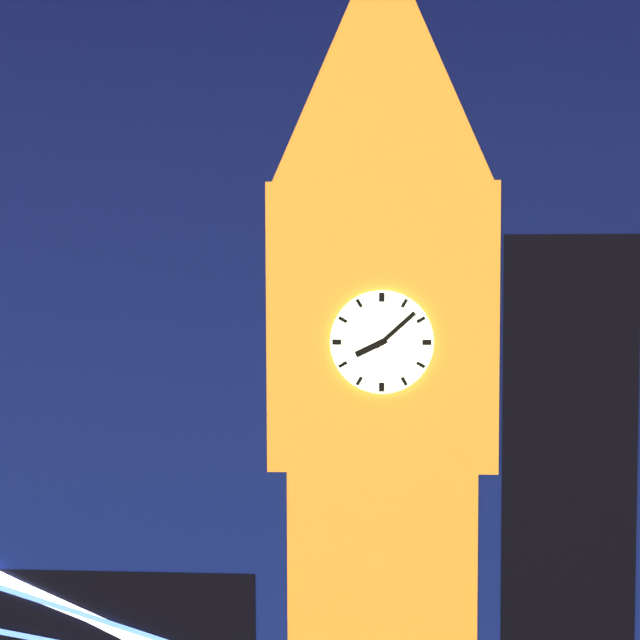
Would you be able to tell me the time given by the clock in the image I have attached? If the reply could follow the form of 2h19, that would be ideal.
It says 8h08
